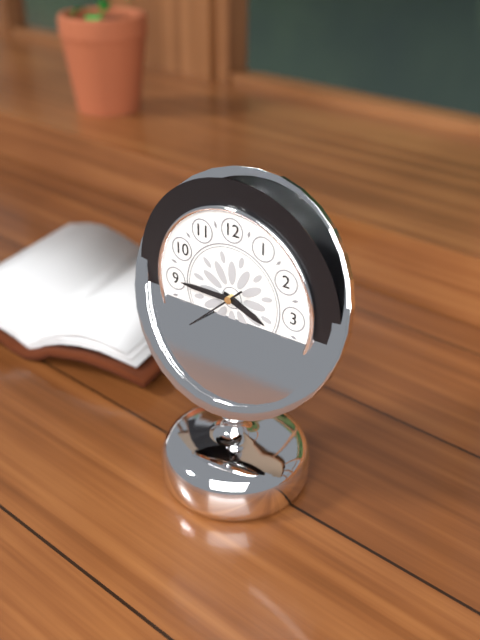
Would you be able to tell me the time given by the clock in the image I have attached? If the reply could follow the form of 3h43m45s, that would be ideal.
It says 3h45m38s
